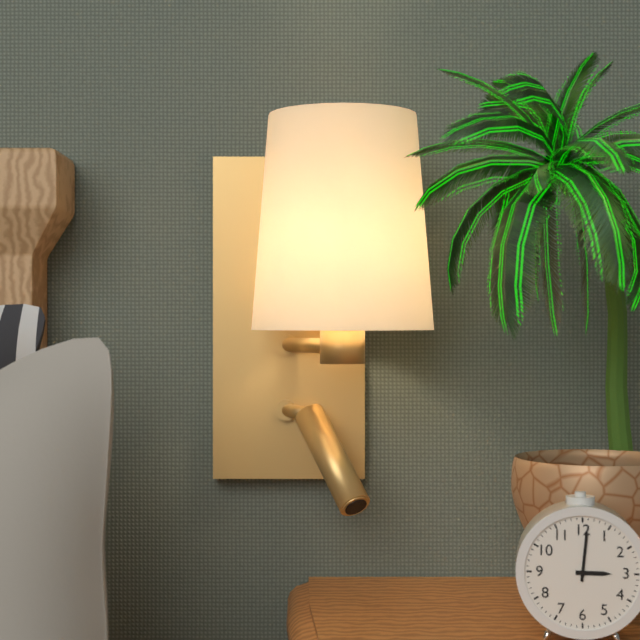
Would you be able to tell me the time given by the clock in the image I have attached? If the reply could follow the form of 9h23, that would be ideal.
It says 3h01
